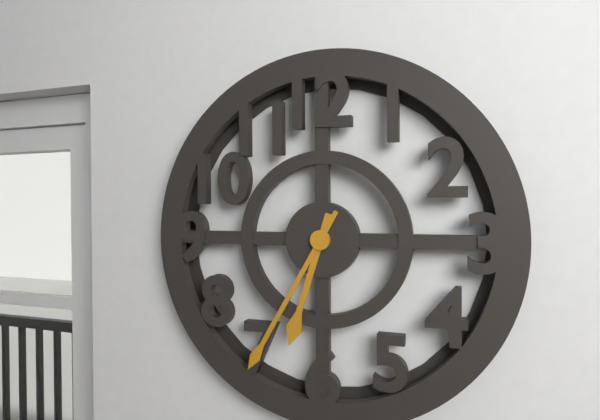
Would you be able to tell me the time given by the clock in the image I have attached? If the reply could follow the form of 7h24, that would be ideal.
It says 6h35
